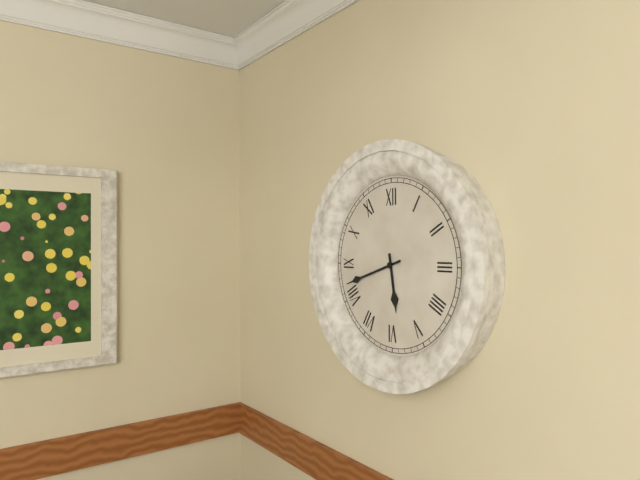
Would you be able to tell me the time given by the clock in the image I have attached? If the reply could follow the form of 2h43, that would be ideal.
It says 5h42
